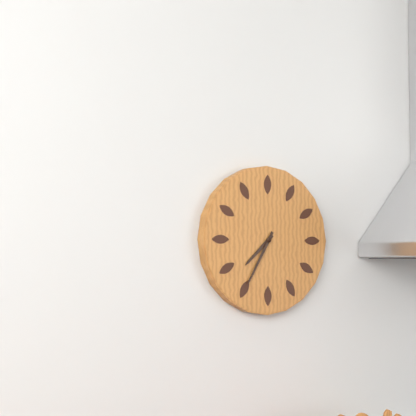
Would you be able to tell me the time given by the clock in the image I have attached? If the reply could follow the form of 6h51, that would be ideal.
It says 7h35
